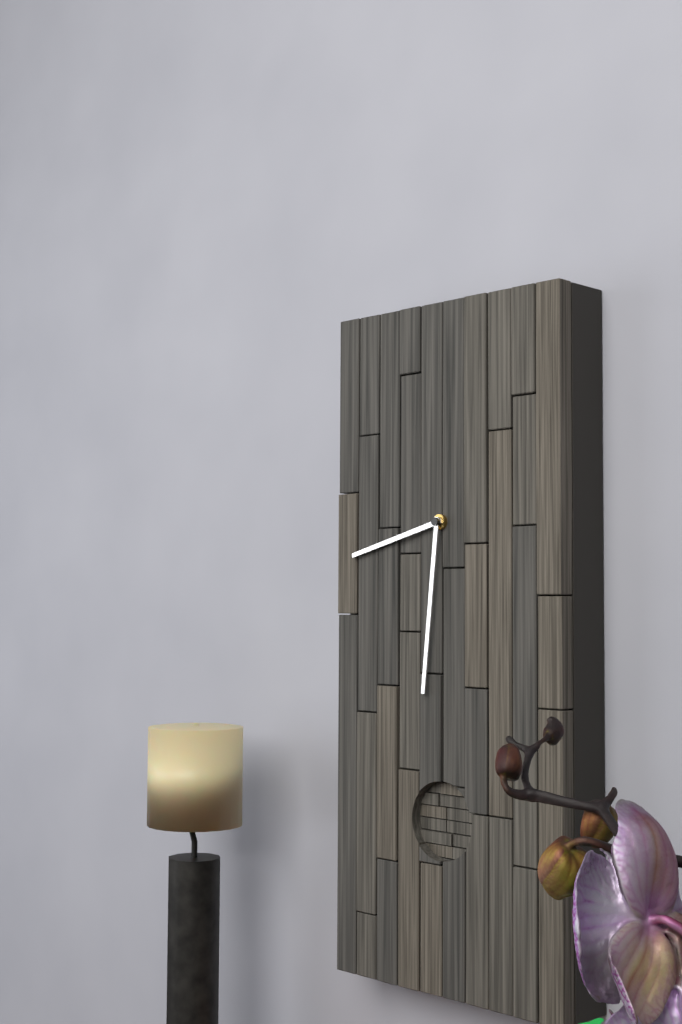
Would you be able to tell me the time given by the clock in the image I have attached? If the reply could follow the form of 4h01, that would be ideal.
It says 8h31
